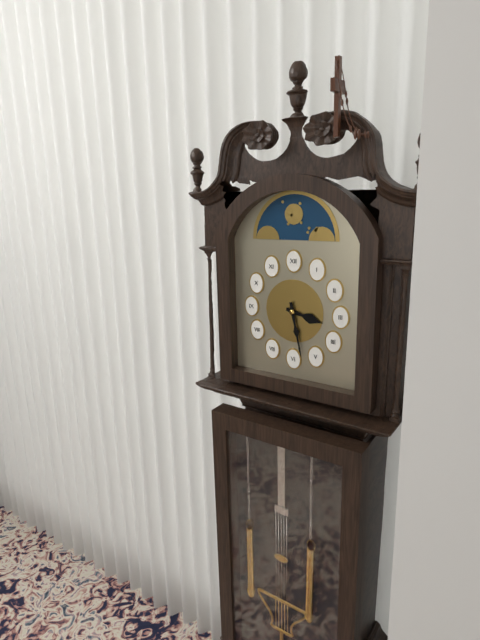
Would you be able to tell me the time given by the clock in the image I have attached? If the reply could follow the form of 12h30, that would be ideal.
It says 3h28
